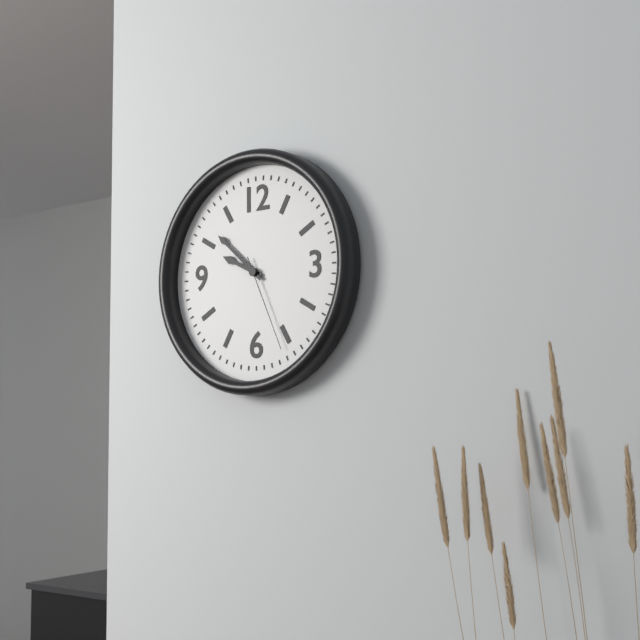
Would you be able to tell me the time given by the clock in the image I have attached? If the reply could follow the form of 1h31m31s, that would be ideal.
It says 9h52m26s
